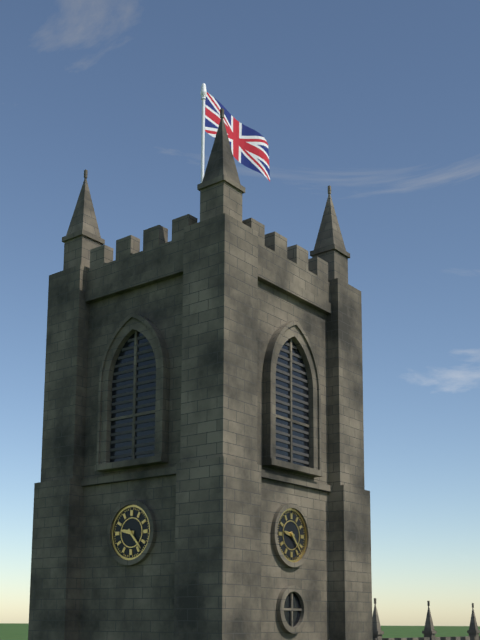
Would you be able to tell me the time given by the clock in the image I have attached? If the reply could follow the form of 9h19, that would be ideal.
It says 9h23
